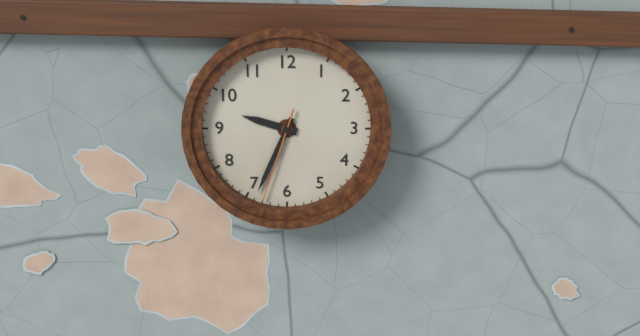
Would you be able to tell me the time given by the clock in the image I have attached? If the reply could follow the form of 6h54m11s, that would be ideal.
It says 9h34m33s
